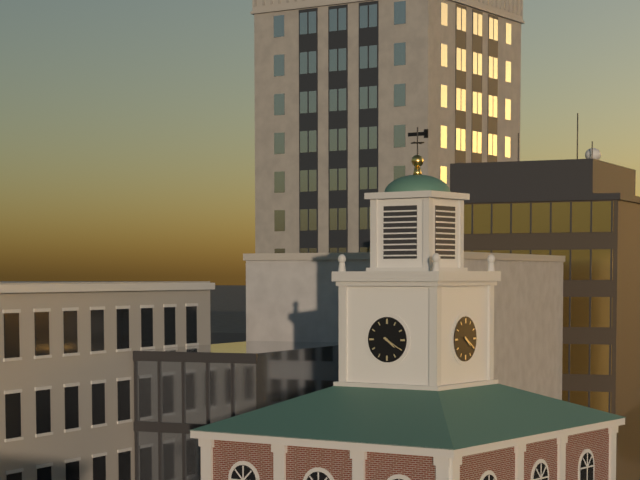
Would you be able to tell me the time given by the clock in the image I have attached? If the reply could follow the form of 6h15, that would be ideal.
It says 4h20
